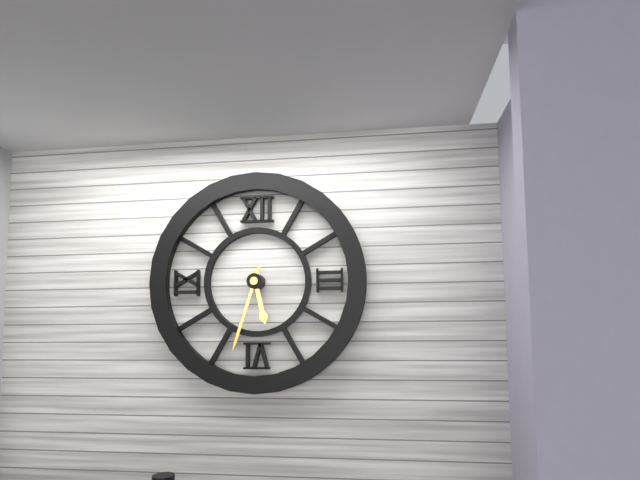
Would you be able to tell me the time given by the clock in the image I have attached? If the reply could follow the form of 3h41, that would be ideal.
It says 5h33
